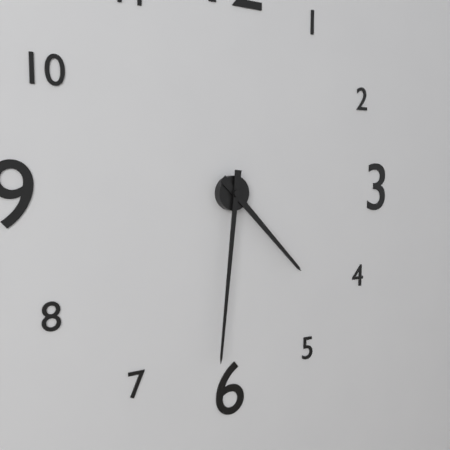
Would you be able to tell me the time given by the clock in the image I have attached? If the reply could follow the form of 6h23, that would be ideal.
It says 4h31
